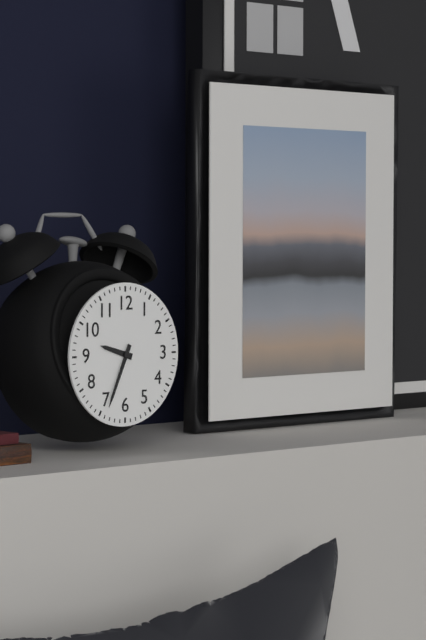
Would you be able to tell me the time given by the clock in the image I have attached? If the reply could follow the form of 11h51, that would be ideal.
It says 9h34
